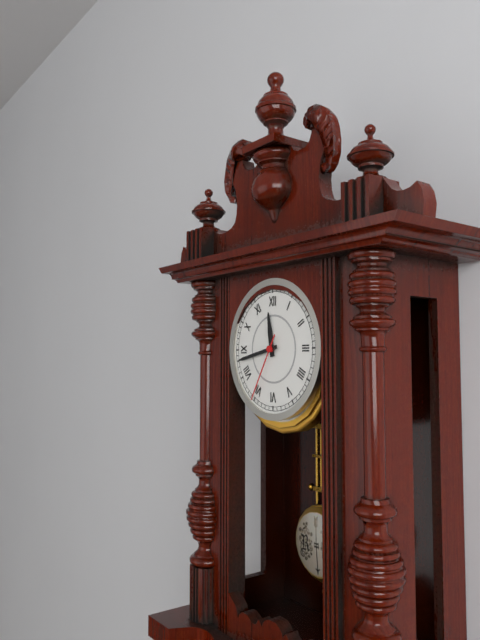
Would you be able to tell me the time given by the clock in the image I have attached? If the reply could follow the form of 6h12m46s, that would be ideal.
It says 11h43m35s
